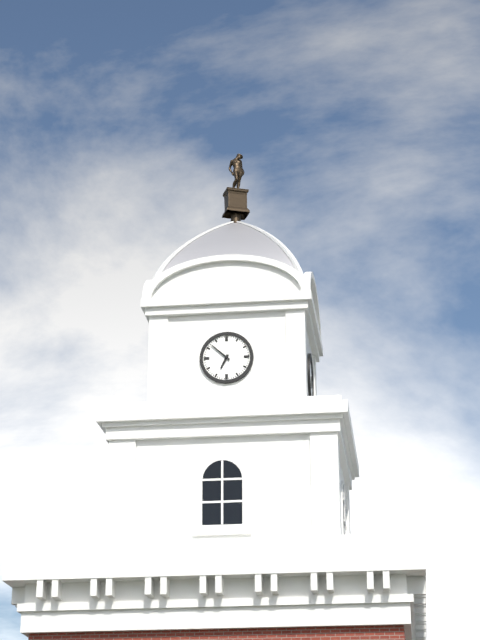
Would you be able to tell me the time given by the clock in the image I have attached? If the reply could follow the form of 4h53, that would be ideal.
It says 6h52
